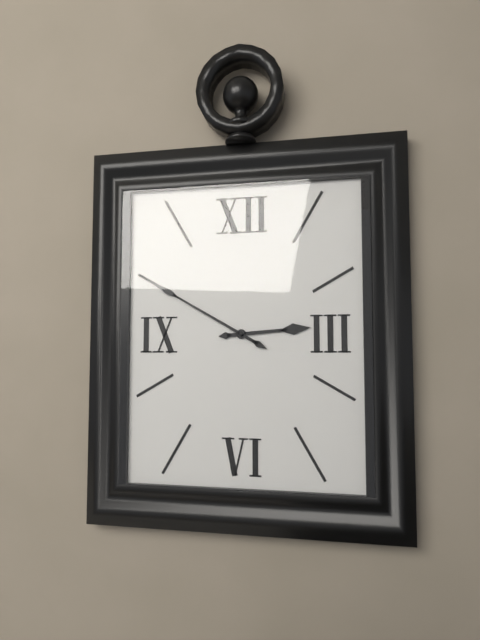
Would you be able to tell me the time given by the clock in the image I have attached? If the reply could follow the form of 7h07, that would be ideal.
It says 2h50
